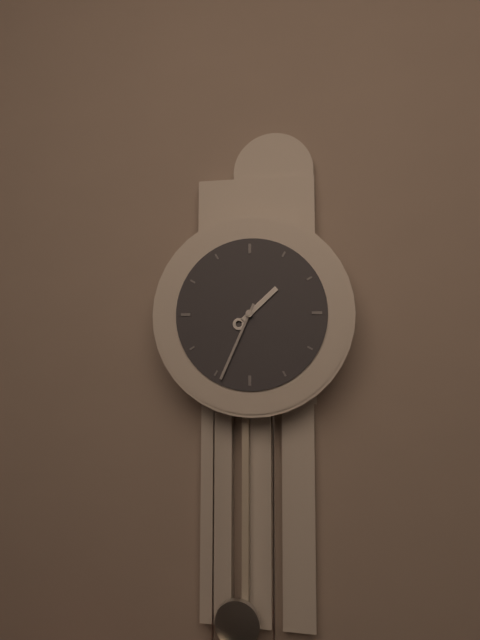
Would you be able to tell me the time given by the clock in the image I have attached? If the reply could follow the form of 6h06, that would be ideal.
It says 1h34
